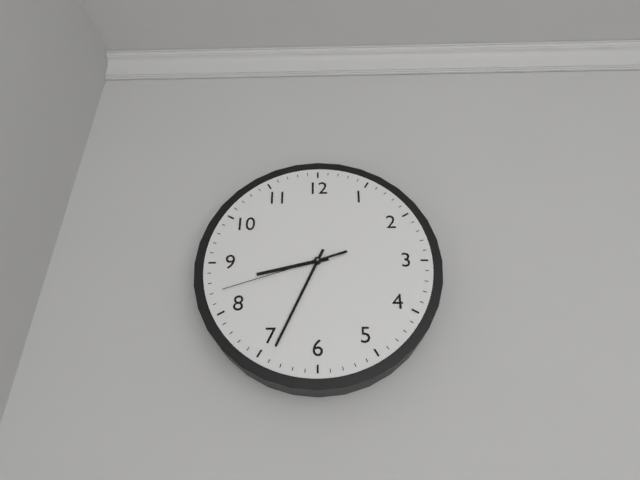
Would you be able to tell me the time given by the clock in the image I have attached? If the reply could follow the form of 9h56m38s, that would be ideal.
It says 8h34m42s
